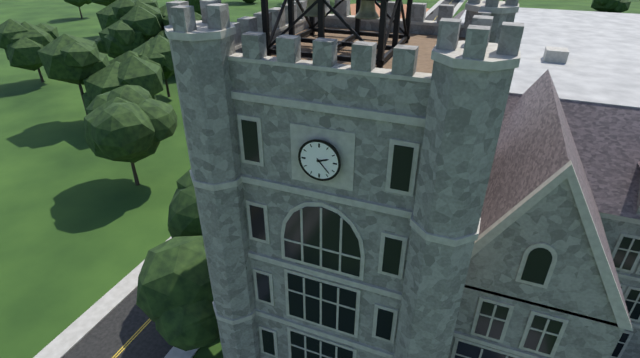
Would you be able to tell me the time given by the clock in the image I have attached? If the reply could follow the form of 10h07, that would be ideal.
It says 2h23
